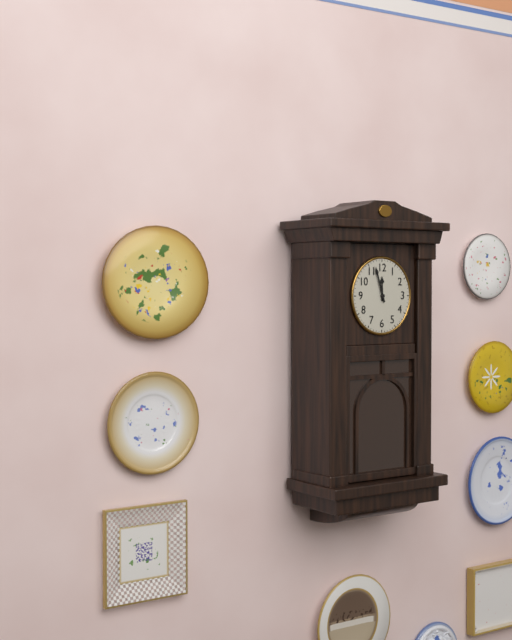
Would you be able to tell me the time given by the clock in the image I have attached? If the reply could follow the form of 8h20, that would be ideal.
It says 11h57
